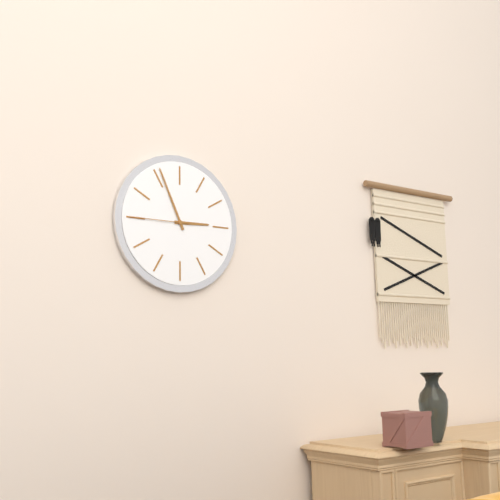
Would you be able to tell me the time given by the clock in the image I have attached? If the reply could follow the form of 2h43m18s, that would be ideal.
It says 2h56m45s
